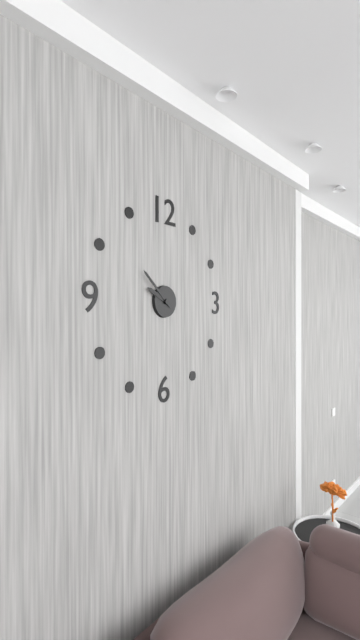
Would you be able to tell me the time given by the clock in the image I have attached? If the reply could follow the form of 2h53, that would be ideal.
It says 9h52
